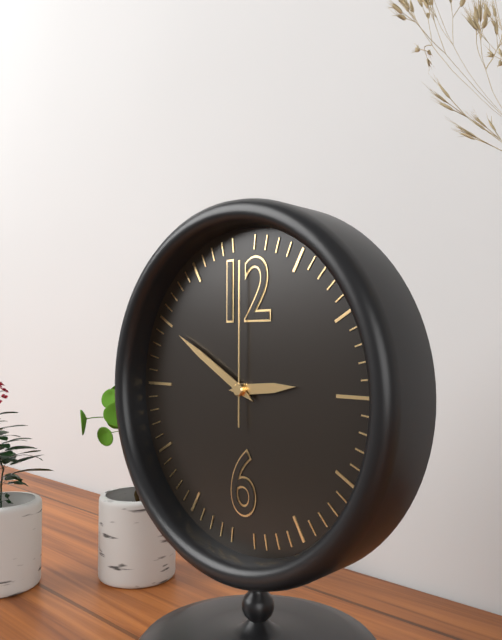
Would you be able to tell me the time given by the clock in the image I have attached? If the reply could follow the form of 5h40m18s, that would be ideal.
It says 2h50m00s
